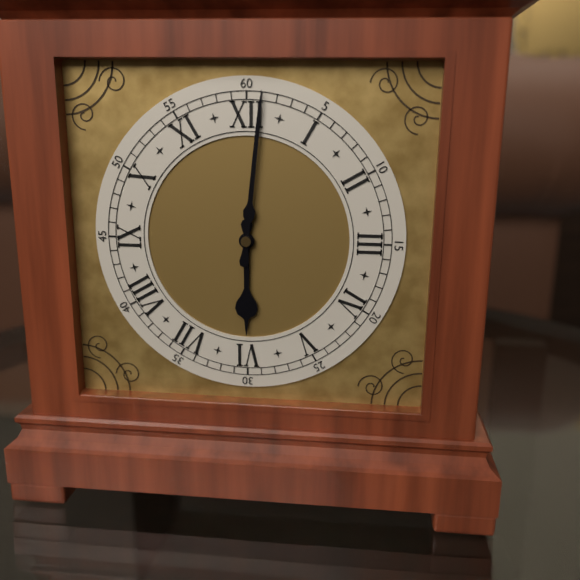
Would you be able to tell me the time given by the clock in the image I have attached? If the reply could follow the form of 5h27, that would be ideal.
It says 6h01
